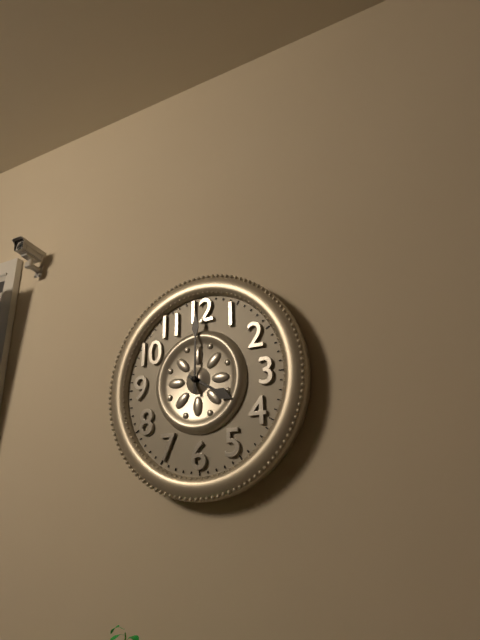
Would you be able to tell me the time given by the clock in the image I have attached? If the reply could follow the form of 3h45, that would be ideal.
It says 4h00
